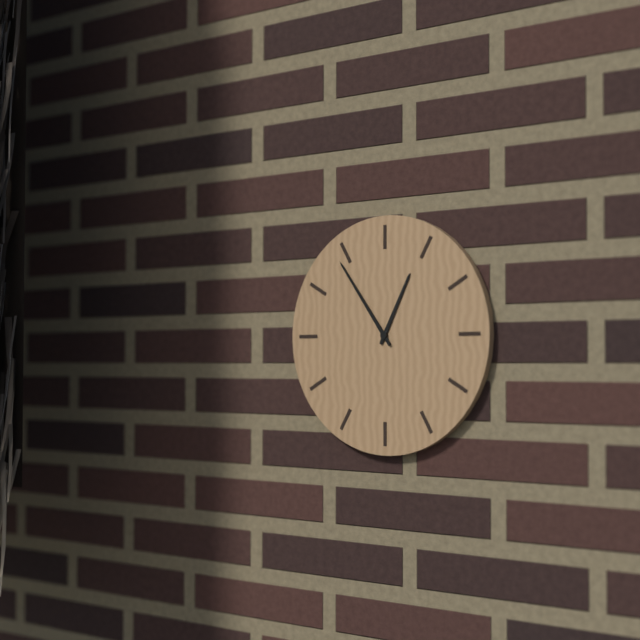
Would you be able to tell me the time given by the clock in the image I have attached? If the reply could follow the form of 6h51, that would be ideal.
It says 12h54
